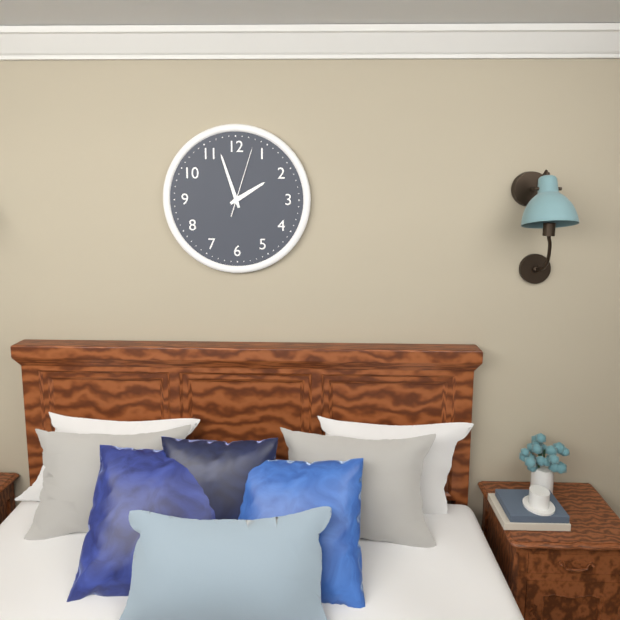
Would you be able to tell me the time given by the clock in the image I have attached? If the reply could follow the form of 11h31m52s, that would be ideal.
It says 1h57m03s
